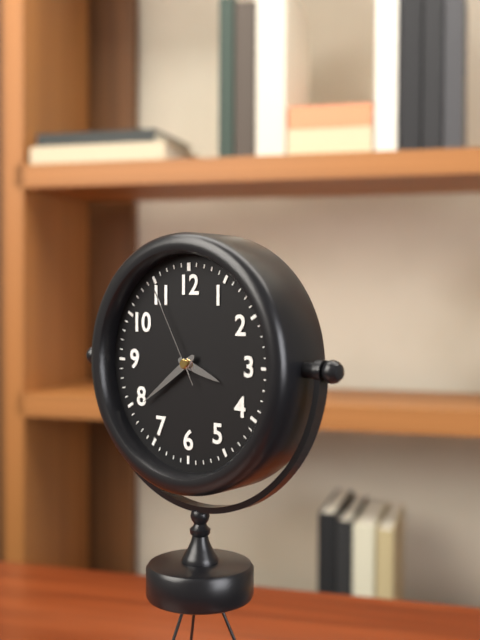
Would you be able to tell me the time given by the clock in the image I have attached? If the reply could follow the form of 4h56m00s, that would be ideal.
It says 3h39m55s
